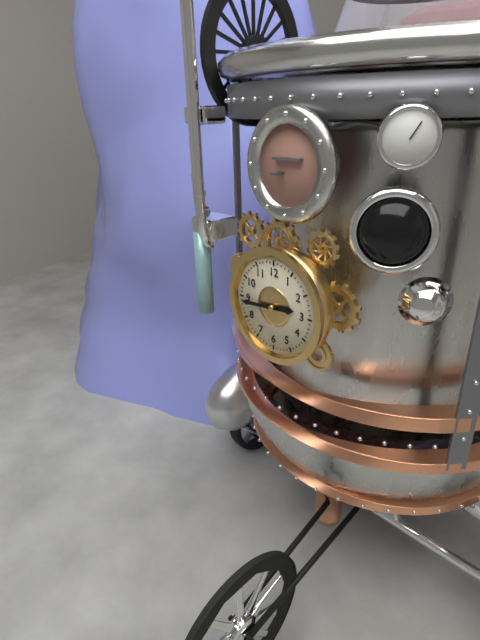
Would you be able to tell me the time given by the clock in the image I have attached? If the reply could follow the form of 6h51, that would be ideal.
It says 2h44
